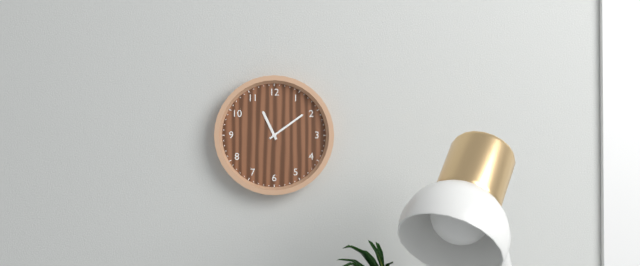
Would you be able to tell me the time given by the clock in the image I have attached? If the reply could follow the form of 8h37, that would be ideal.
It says 11h09
